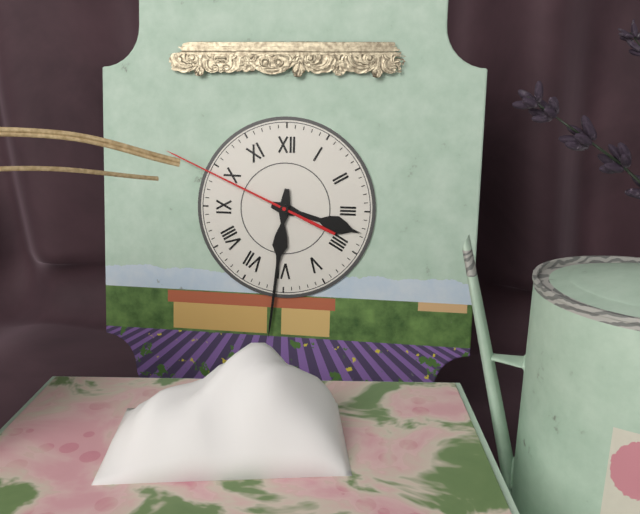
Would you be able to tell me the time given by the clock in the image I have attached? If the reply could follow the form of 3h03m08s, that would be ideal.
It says 3h31m49s
